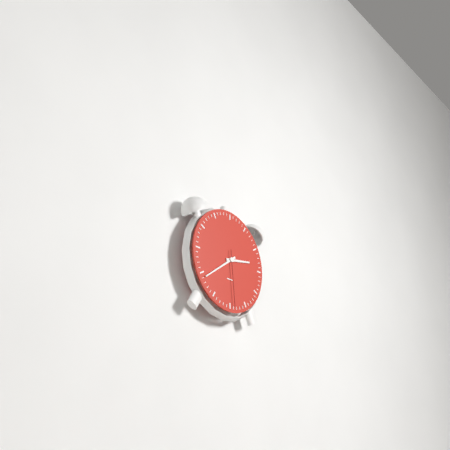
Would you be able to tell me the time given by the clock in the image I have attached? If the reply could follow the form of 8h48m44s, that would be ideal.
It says 2h39m29s
